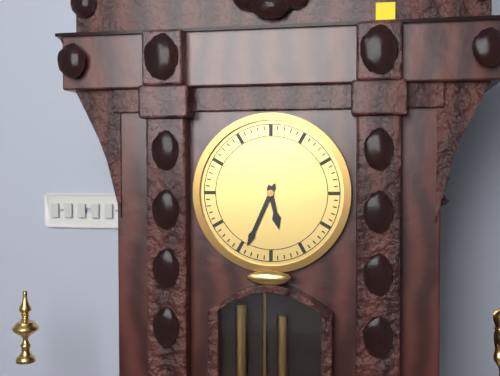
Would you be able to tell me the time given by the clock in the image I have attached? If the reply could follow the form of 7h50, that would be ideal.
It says 5h34
